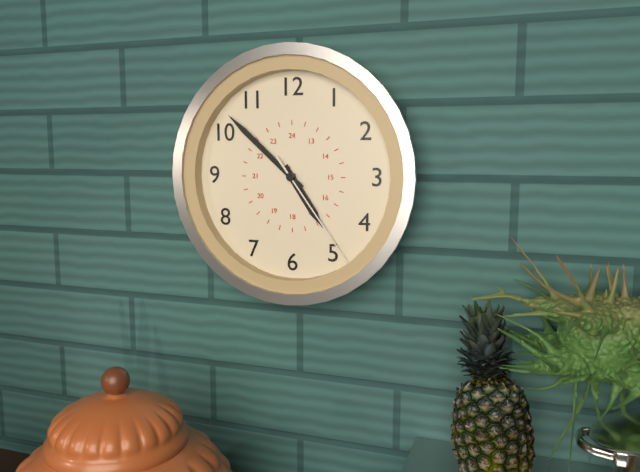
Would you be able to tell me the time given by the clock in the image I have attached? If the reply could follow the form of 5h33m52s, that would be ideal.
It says 4h52m24s
